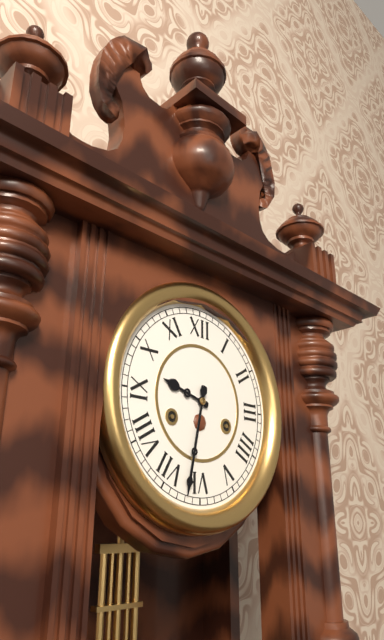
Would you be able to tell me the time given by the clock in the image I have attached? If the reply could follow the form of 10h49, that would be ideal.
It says 9h32
